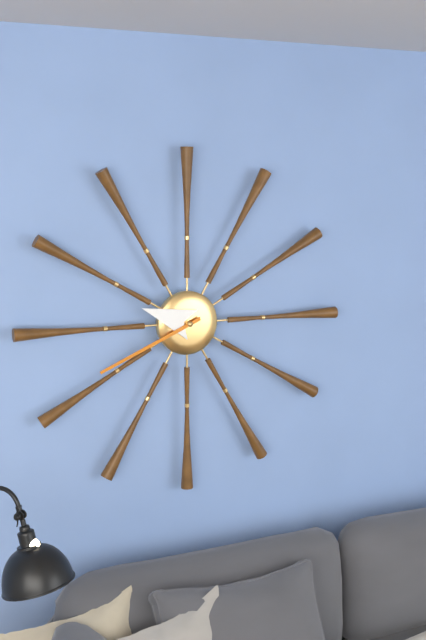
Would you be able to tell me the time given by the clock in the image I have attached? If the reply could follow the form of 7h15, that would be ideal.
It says 9h41
